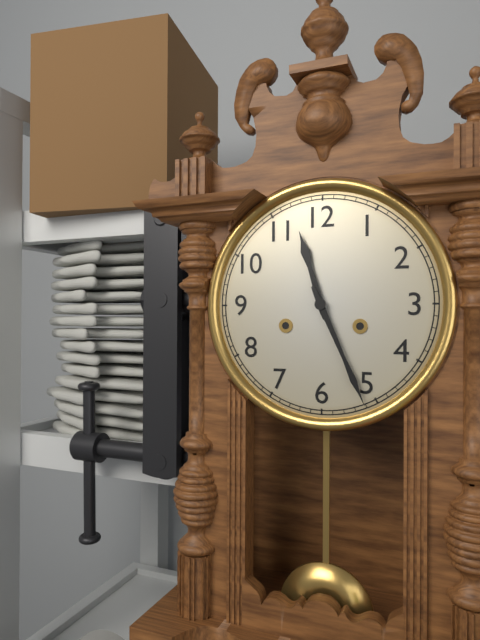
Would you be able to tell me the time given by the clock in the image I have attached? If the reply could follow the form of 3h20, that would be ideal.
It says 11h26
